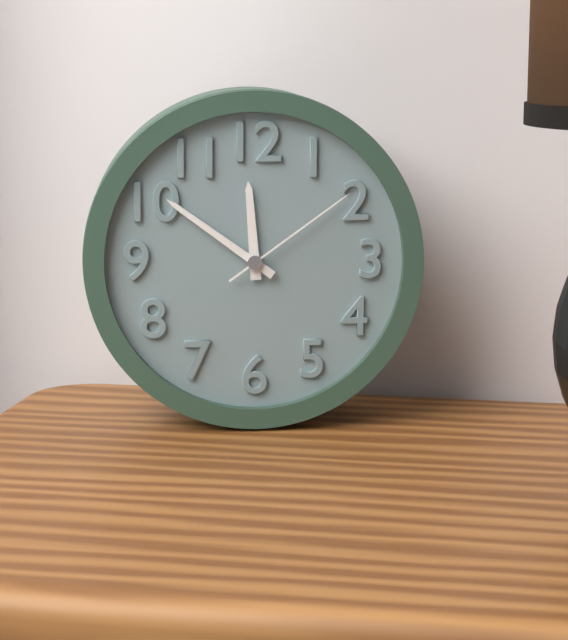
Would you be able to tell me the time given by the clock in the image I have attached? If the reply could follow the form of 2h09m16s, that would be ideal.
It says 11h51m09s
